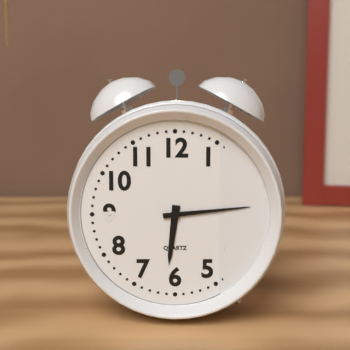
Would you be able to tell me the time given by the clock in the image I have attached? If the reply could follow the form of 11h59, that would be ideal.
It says 6h14
